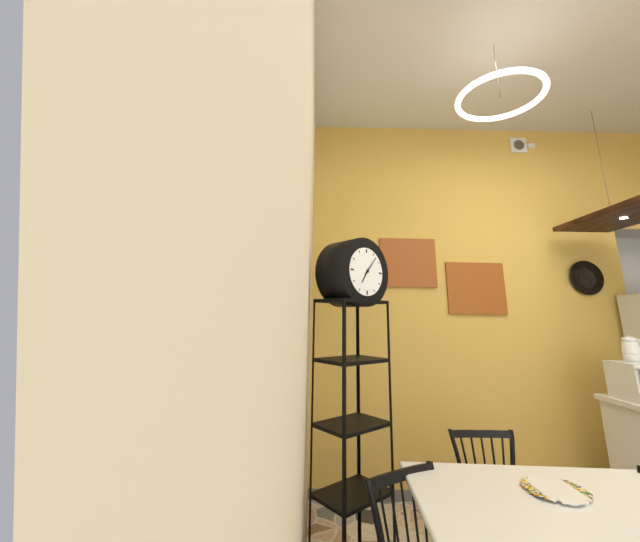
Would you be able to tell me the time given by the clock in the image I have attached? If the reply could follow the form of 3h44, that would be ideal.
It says 7h07
